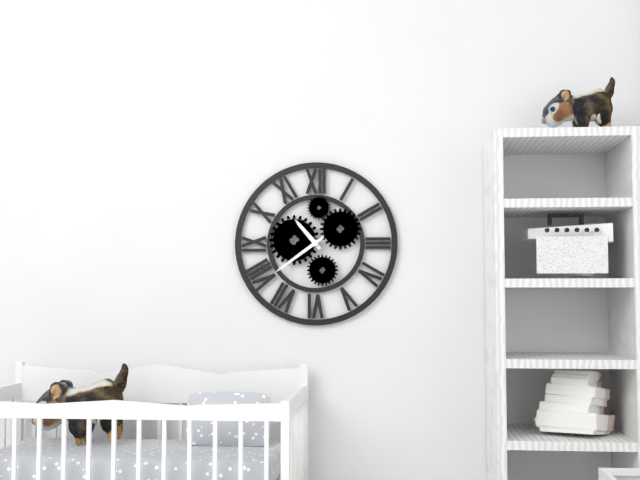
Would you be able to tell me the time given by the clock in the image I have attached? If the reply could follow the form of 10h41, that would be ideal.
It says 10h39
